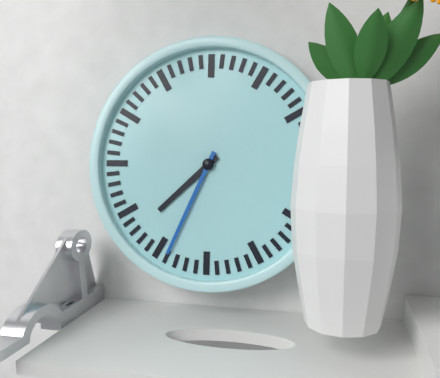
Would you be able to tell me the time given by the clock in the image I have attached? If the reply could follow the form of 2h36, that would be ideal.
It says 7h34
